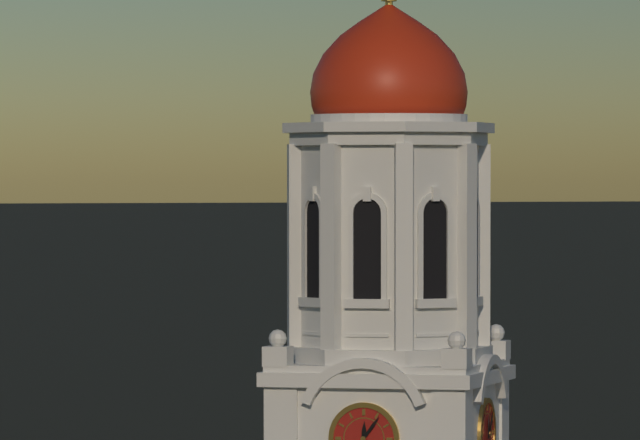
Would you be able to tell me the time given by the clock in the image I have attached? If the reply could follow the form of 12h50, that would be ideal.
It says 12h06
